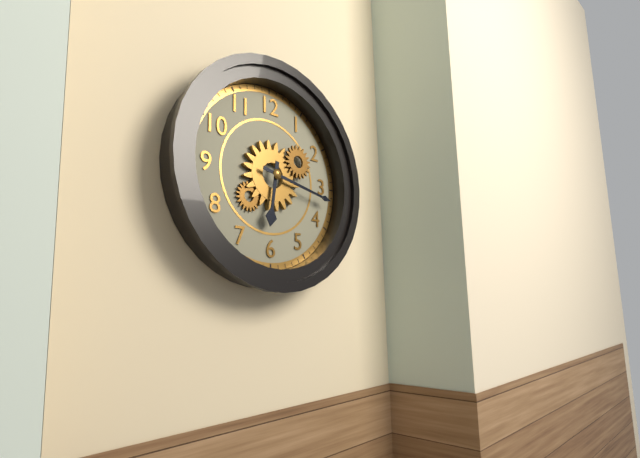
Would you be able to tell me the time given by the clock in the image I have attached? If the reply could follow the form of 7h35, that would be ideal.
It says 6h17
